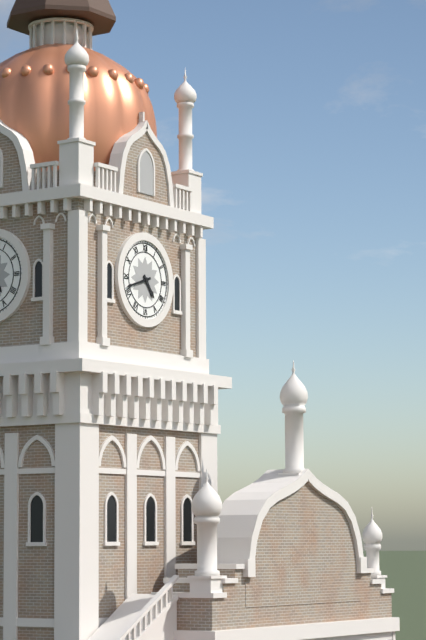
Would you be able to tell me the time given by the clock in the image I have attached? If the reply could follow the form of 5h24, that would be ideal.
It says 4h42
